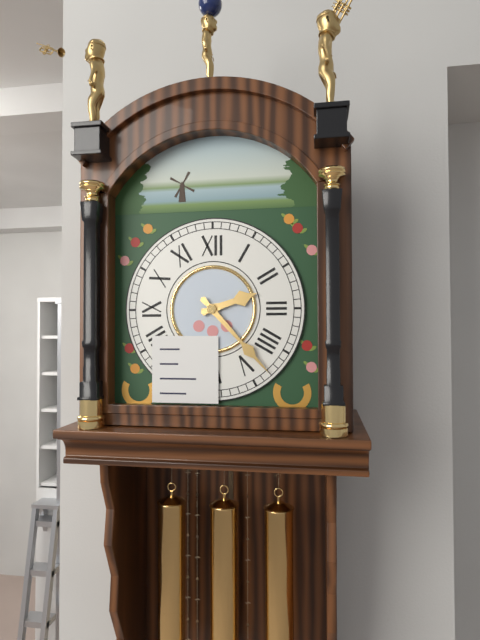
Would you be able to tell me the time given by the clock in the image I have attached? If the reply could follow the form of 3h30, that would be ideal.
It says 2h23
